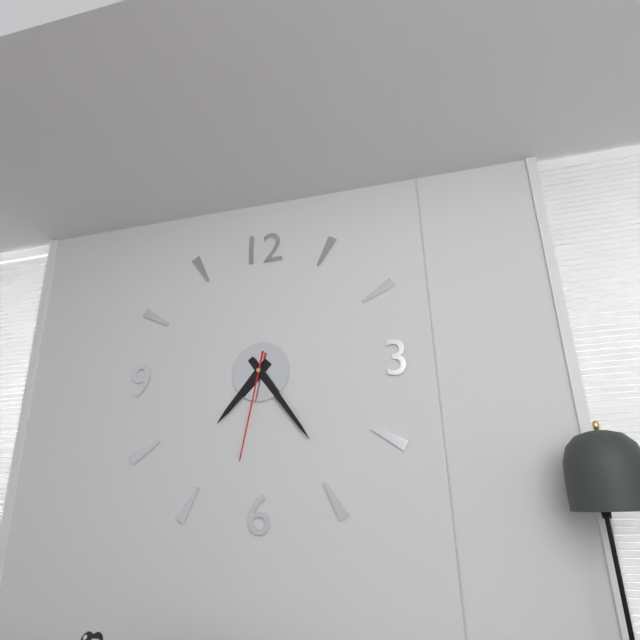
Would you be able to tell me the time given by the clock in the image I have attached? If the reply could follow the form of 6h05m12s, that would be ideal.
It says 7h24m32s
